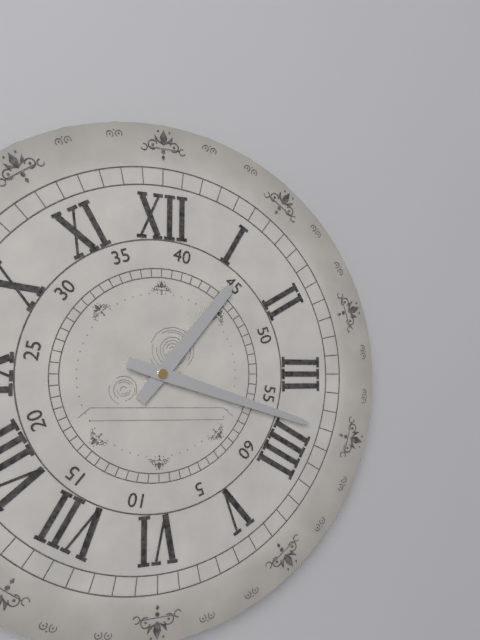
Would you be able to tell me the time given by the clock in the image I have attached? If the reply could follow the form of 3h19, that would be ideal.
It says 1h18
